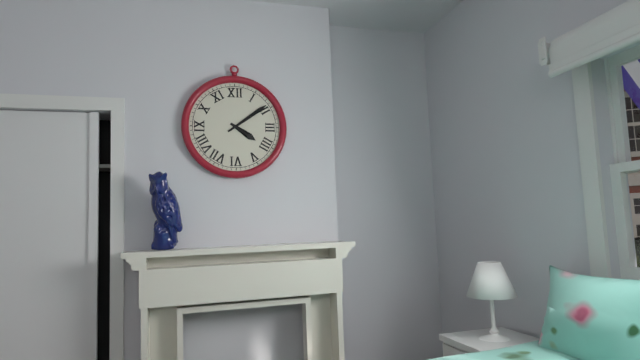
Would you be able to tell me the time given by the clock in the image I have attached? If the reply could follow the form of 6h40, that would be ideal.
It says 4h09
